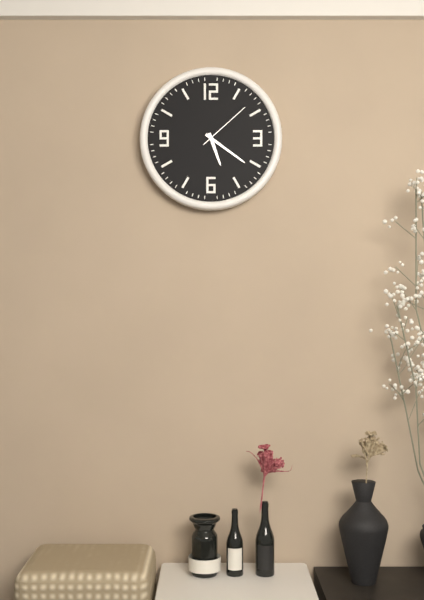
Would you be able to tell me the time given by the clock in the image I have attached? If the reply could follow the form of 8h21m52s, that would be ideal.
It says 5h21m08s
